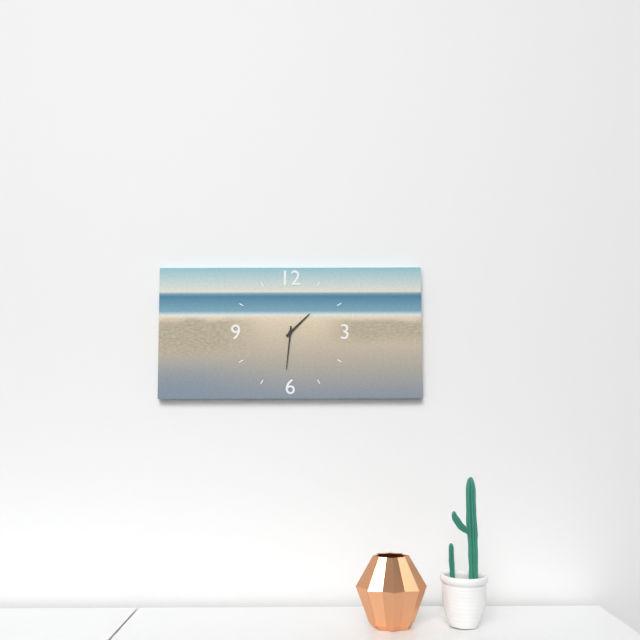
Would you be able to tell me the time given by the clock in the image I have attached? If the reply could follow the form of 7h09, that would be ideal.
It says 1h31
